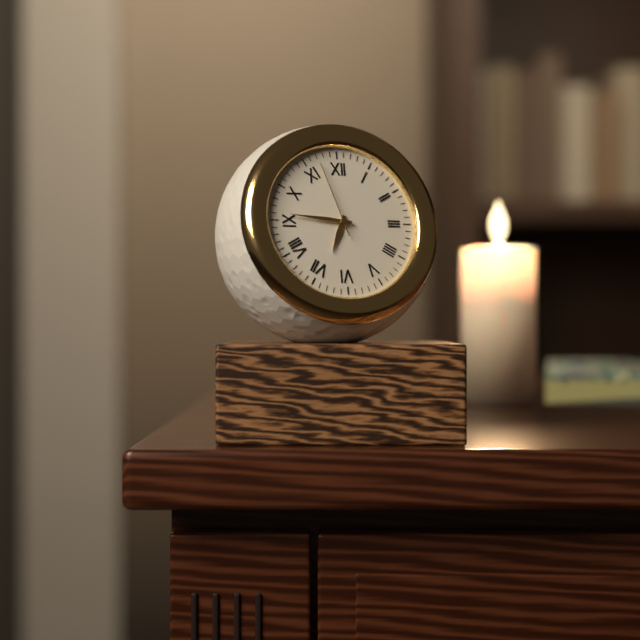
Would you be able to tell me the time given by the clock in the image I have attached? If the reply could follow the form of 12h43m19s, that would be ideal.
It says 6h46m57s
